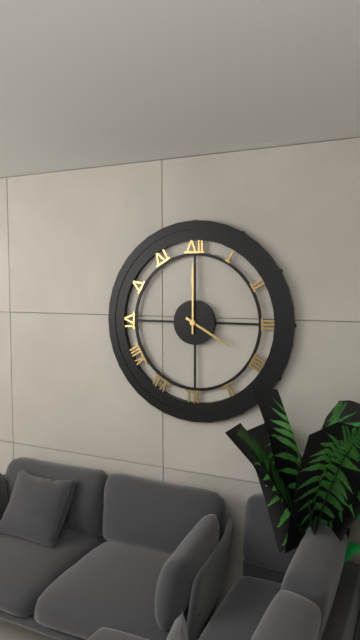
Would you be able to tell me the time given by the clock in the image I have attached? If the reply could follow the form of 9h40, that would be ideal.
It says 4h00
